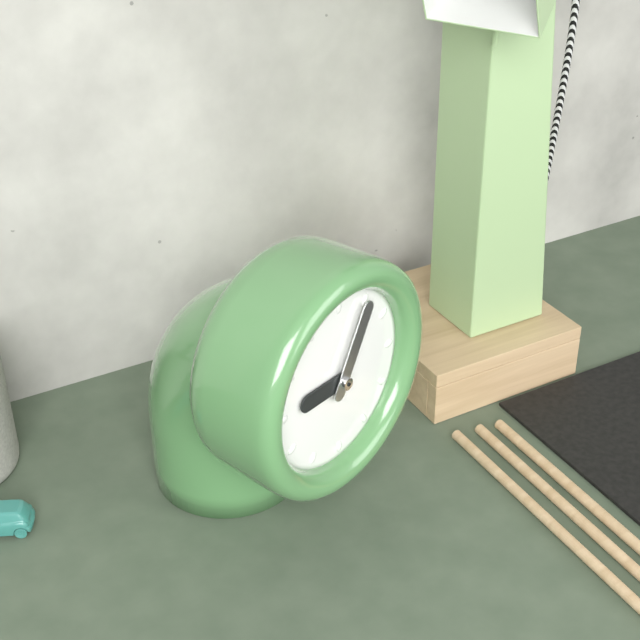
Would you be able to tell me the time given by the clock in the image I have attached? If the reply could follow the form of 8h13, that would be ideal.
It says 9h05
